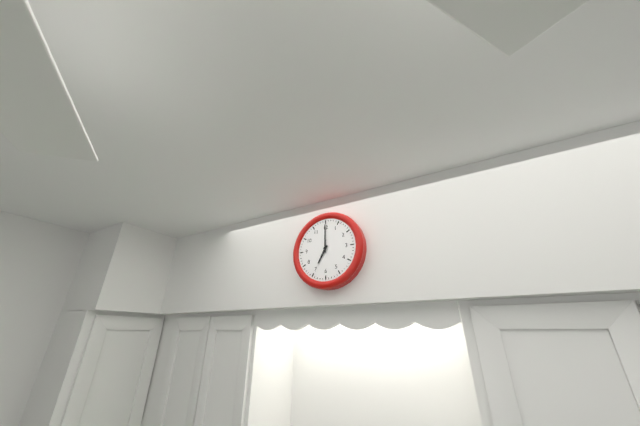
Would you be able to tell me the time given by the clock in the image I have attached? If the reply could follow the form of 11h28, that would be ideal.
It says 7h00
